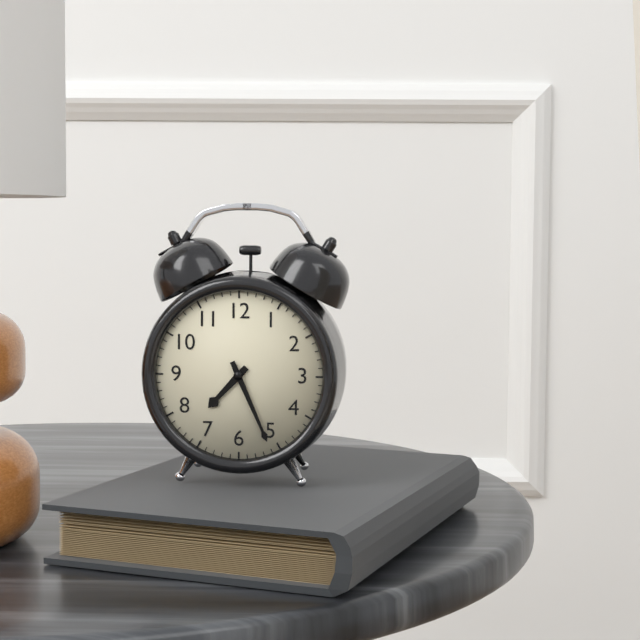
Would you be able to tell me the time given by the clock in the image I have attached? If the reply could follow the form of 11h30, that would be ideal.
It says 7h26
